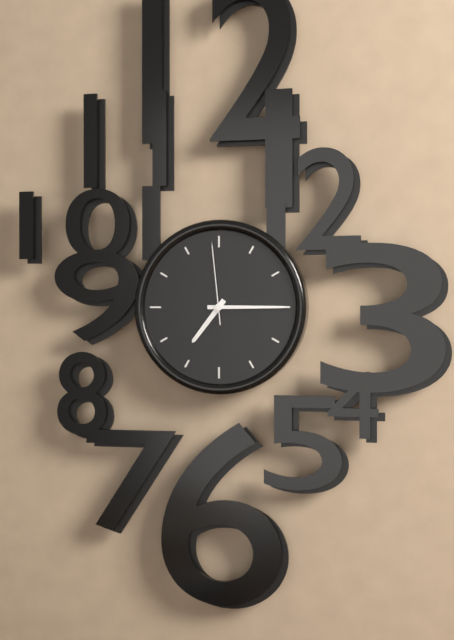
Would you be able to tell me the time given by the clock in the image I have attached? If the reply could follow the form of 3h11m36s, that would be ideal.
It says 7h15m59s
